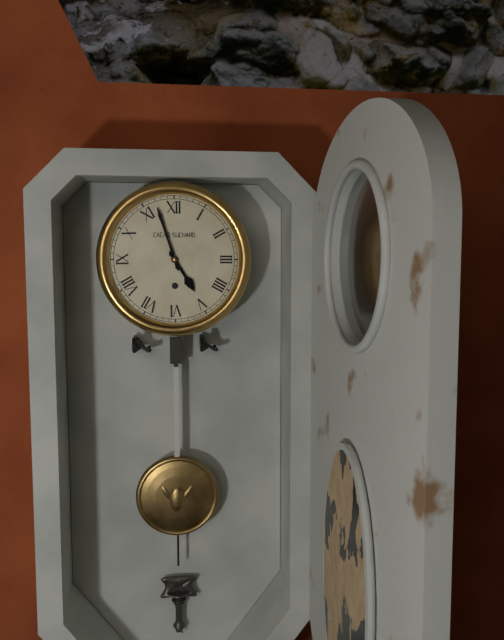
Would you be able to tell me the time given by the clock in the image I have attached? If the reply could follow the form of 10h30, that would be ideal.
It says 4h57
